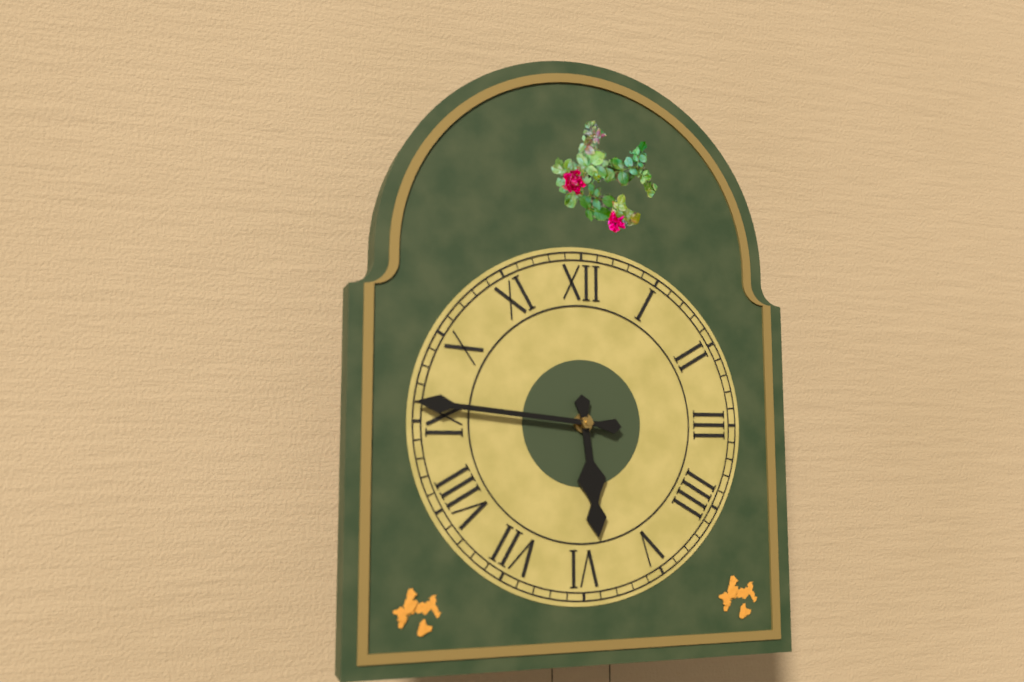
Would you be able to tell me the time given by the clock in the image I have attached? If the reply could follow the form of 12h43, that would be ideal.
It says 5h46
